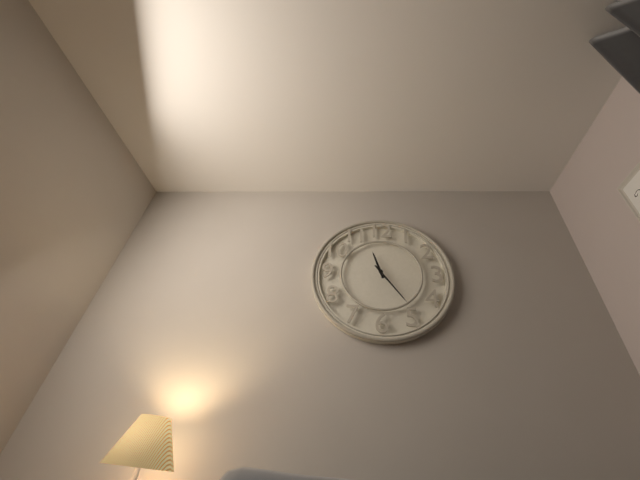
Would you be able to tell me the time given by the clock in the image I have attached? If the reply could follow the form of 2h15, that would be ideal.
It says 11h24
